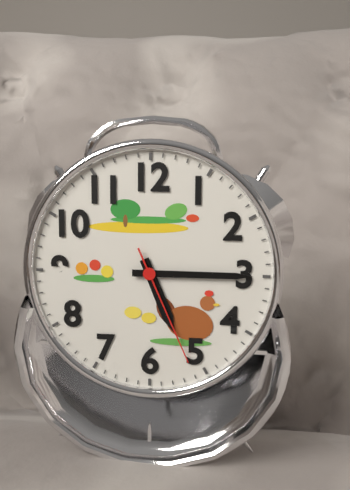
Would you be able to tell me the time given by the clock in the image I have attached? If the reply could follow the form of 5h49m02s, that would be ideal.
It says 5h15m26s
